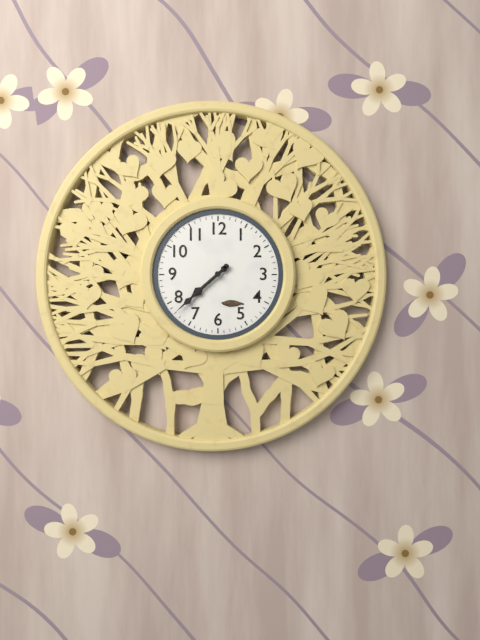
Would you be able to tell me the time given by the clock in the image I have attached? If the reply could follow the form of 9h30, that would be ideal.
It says 7h38
